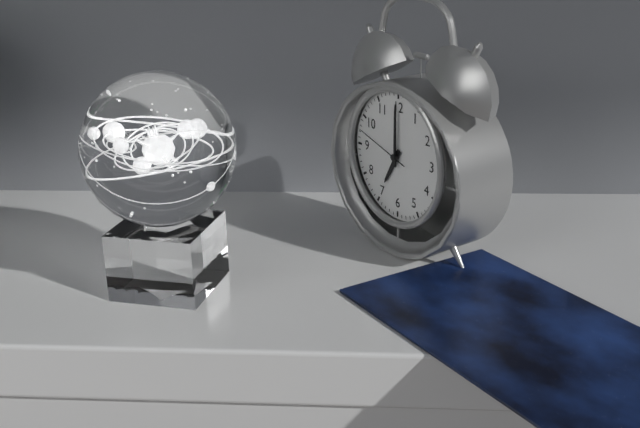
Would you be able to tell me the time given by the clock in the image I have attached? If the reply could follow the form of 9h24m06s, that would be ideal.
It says 7h00m48s
